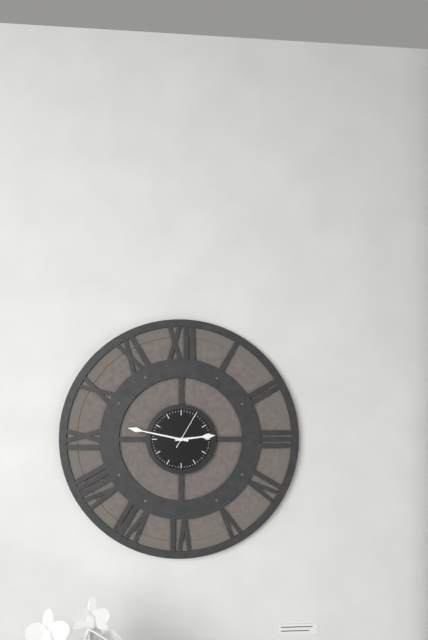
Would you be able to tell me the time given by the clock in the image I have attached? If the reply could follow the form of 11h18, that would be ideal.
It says 2h47
